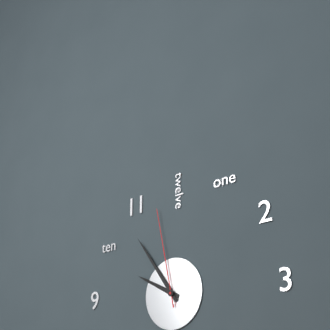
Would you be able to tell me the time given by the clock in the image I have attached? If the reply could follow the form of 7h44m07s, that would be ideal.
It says 9h54m58s
